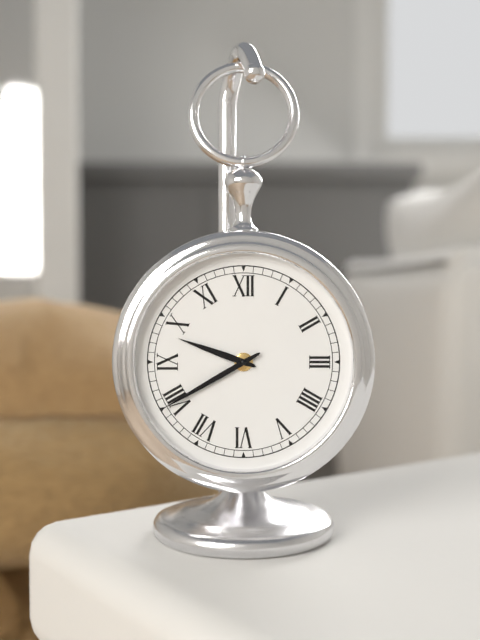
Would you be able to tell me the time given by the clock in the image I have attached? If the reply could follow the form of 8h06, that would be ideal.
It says 9h40
